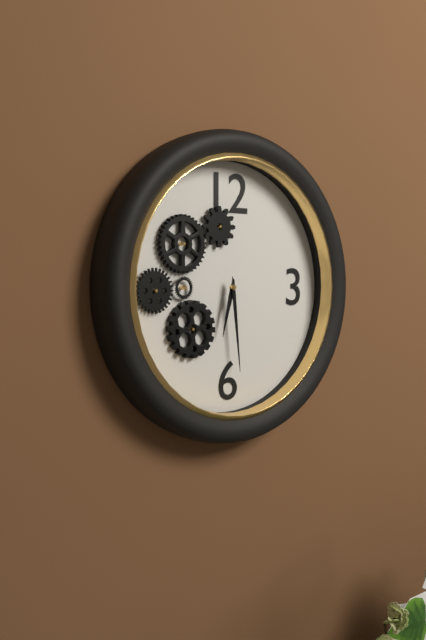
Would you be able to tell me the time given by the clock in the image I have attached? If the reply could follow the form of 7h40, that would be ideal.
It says 6h29
